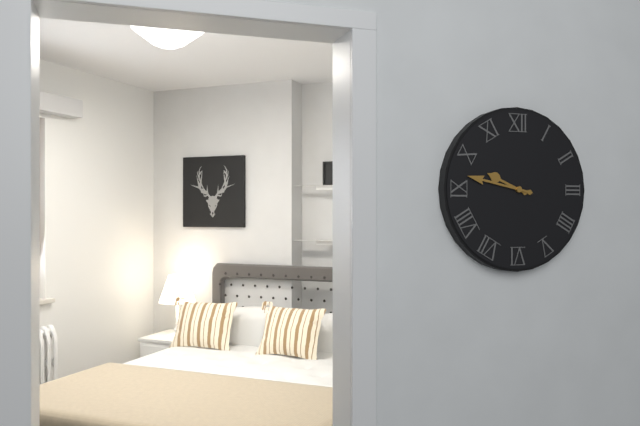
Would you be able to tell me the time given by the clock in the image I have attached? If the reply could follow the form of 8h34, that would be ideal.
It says 9h47
